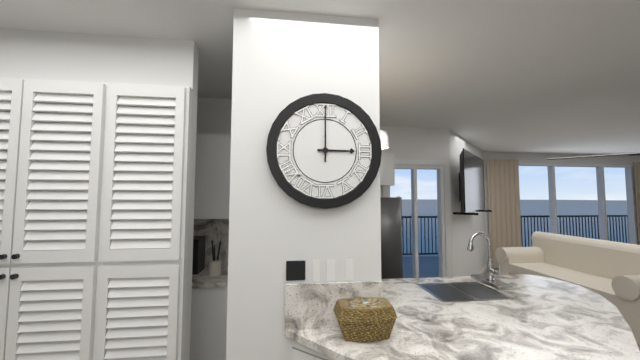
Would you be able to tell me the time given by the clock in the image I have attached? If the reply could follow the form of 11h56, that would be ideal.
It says 3h00
